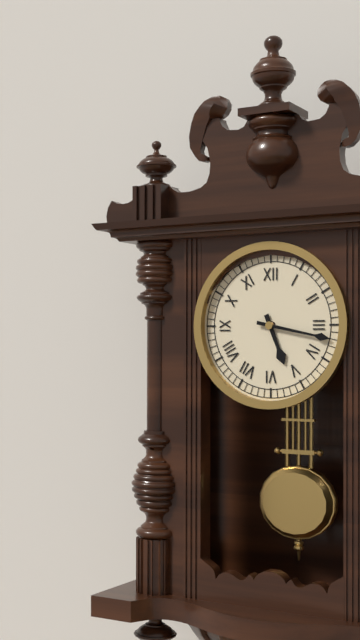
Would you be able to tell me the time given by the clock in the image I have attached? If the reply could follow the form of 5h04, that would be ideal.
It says 5h17
